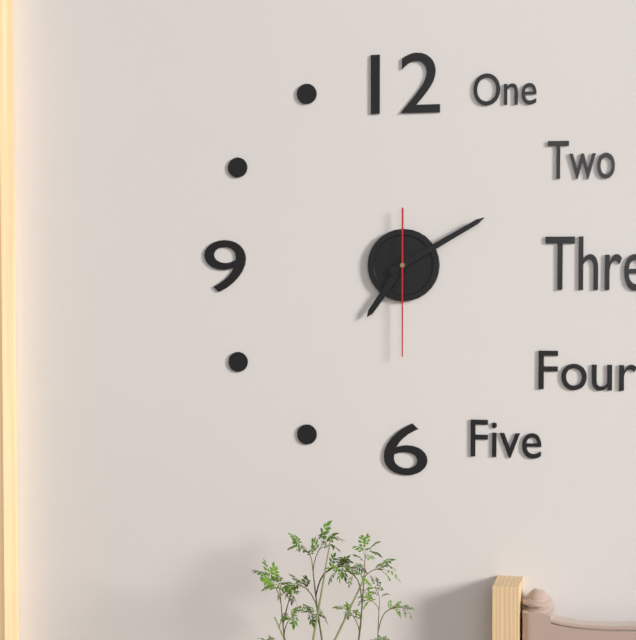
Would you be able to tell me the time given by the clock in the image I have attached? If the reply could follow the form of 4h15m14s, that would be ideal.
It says 7h10m30s
